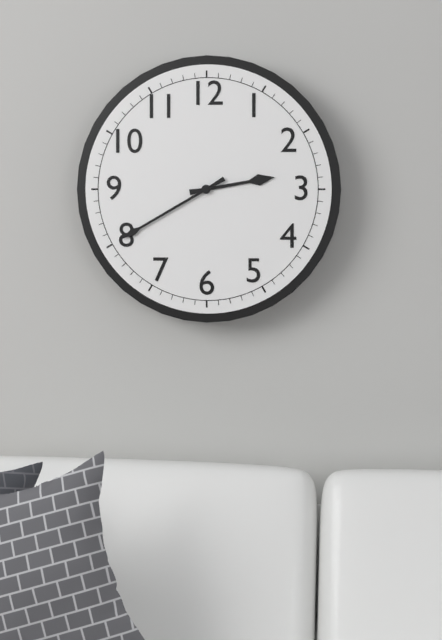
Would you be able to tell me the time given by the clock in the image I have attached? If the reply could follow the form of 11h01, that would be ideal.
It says 2h40
